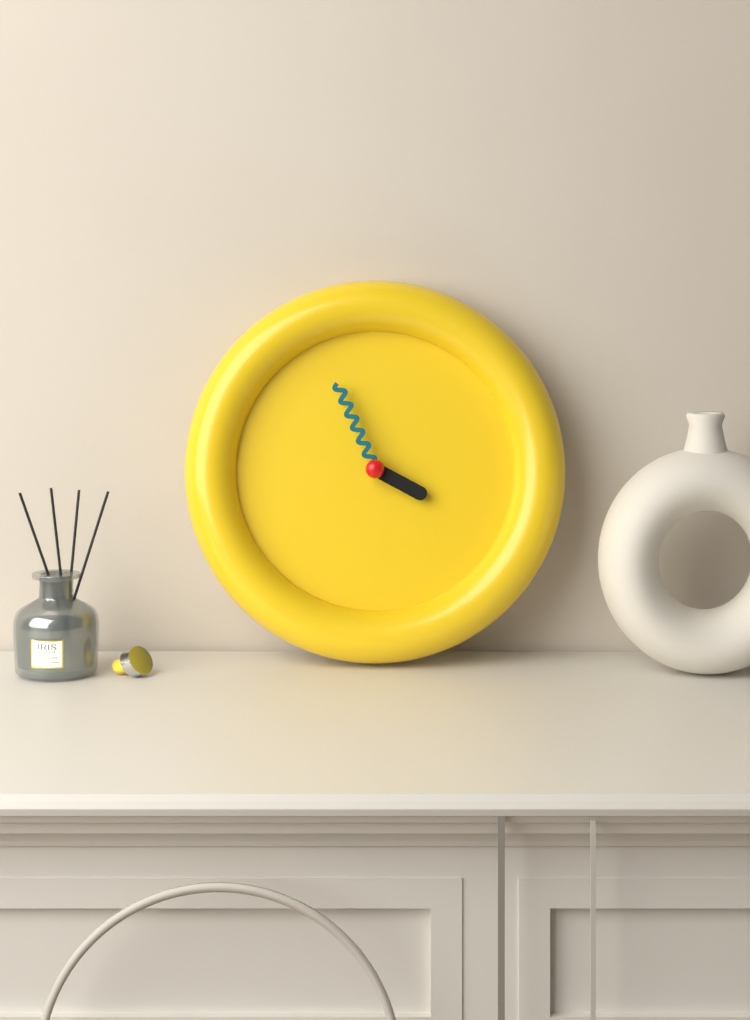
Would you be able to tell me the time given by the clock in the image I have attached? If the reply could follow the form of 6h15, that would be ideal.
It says 3h56
